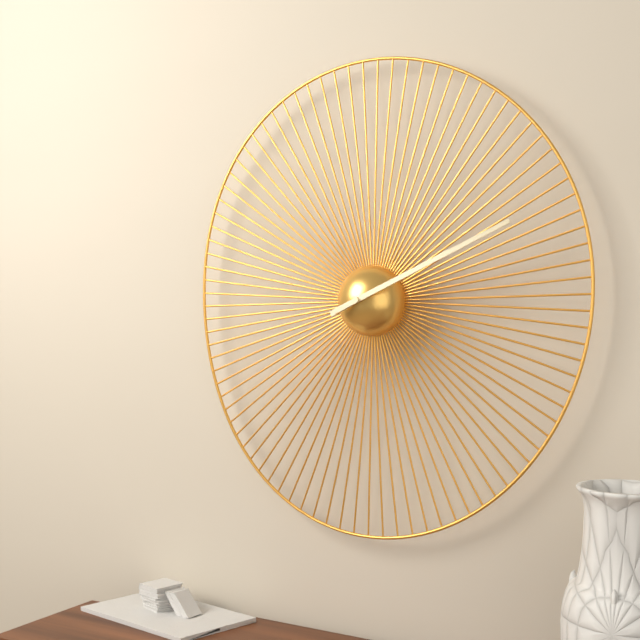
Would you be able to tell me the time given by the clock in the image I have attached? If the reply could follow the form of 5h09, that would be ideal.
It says 2h11
